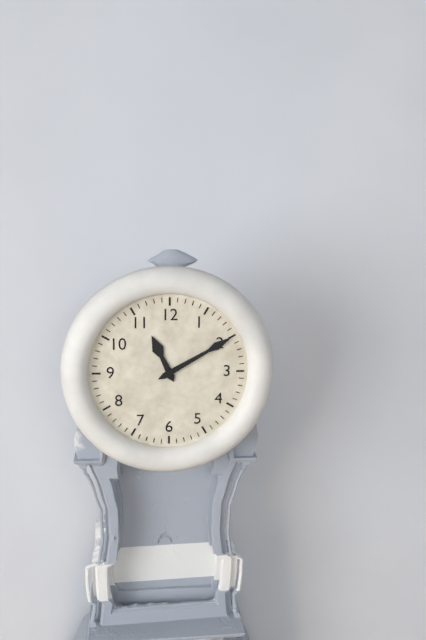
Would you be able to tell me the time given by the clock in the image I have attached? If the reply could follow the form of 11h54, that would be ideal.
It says 11h10
